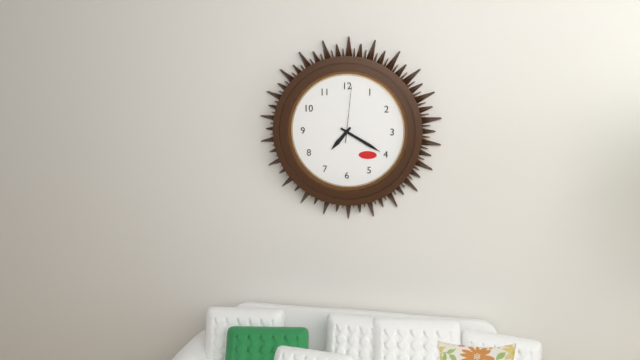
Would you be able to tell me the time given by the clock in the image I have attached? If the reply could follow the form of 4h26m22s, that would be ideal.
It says 7h20m01s
